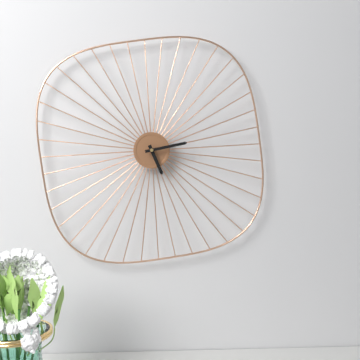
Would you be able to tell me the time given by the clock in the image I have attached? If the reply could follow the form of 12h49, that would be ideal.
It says 5h13
